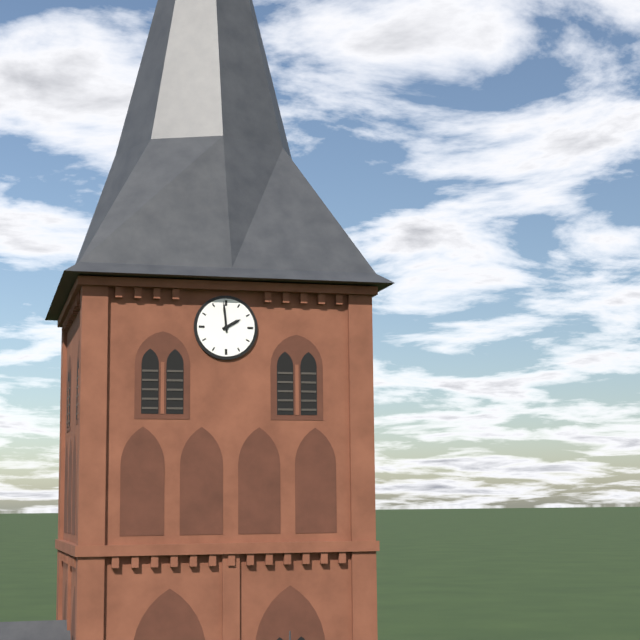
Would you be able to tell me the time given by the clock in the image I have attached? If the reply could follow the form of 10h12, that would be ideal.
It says 1h59
